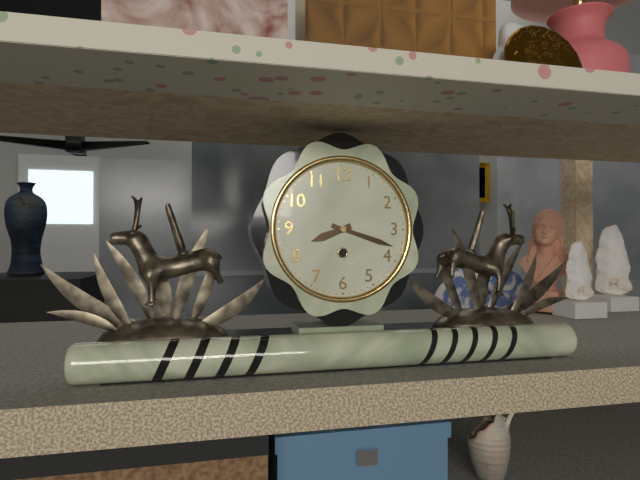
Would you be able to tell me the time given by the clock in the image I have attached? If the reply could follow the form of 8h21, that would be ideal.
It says 8h18
